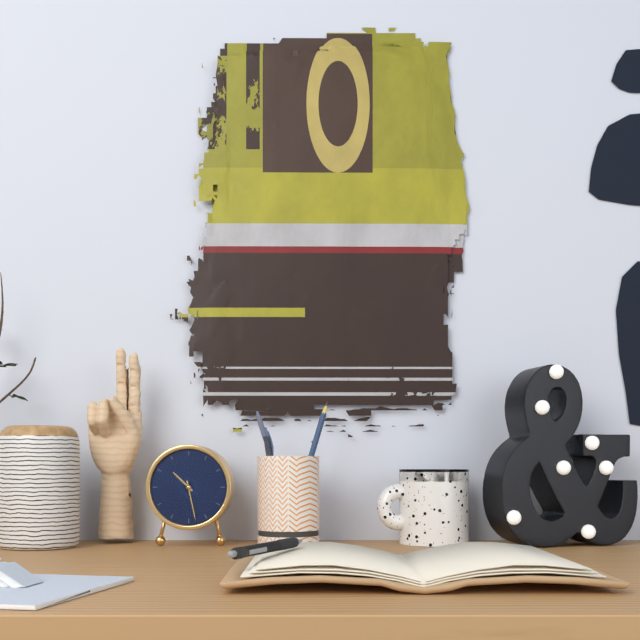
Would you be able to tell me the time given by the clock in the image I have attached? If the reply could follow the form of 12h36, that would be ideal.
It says 10h28
